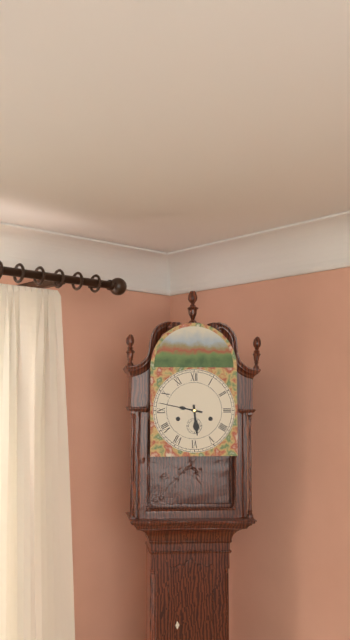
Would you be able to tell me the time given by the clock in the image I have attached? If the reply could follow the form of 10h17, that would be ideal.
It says 5h47
